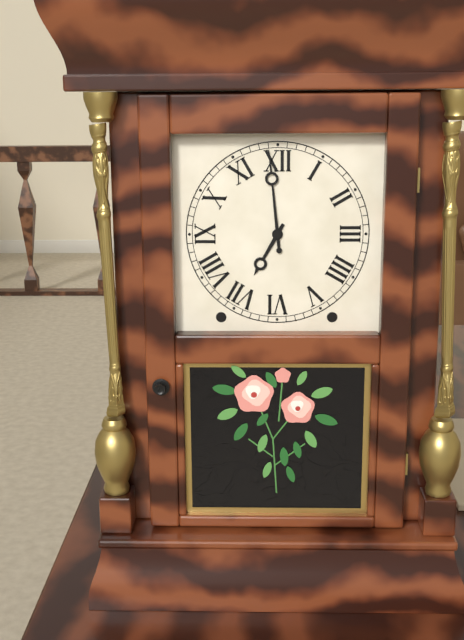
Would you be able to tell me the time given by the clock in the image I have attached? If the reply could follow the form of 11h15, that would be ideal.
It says 6h59
